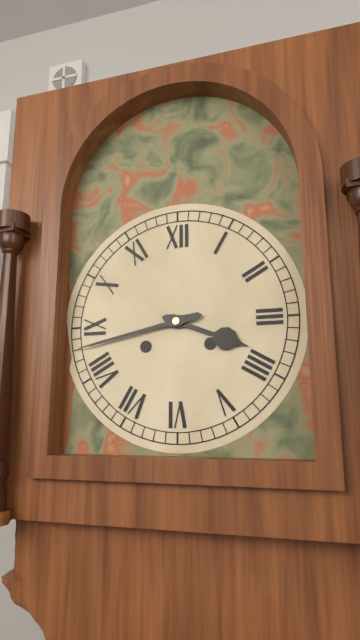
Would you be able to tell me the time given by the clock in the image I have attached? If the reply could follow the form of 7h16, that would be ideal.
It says 3h43
